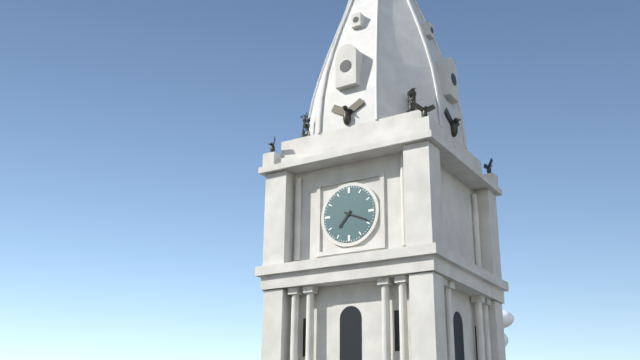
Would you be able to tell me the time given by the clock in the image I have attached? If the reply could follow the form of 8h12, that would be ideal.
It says 7h19
